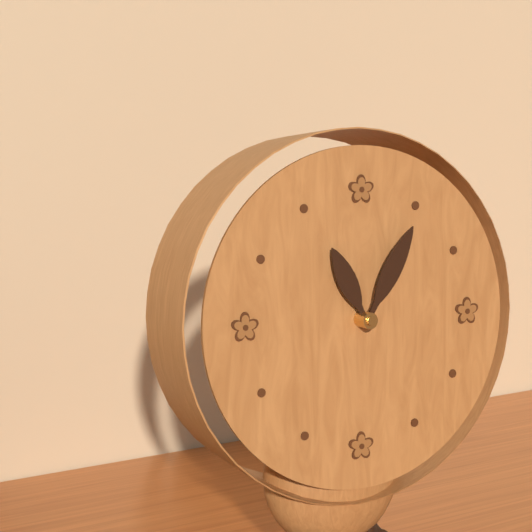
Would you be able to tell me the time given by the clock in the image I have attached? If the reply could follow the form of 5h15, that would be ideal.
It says 11h05
